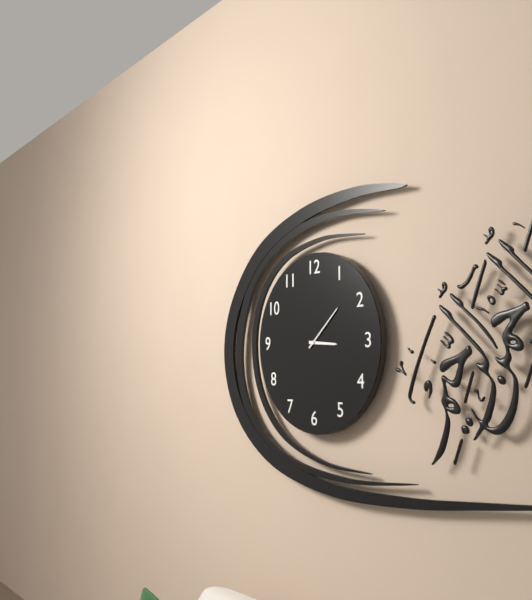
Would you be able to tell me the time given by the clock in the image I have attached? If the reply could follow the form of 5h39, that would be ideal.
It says 3h08
